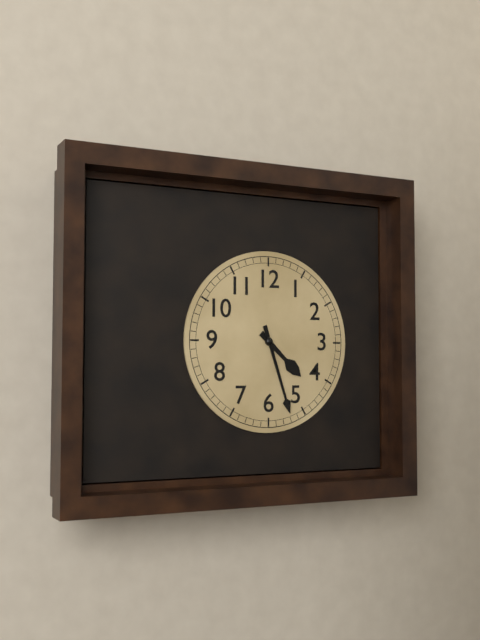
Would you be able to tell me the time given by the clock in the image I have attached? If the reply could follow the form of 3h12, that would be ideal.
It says 4h27
